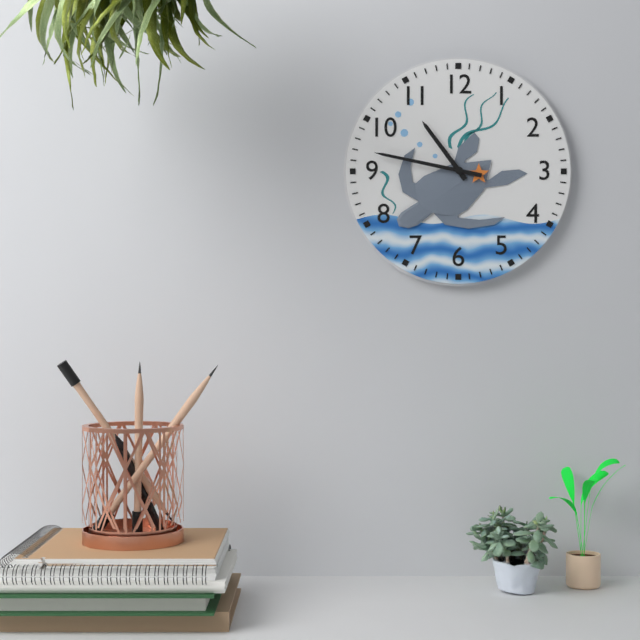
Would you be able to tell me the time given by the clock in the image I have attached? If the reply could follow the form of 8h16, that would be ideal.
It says 10h47
